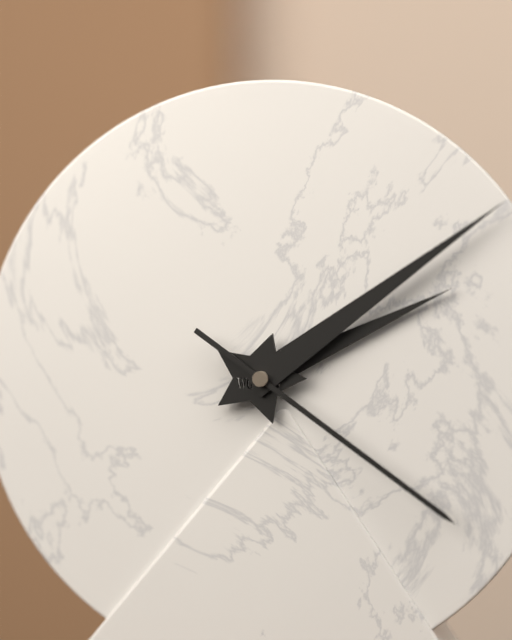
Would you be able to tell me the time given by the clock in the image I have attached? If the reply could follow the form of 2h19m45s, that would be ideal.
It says 2h09m21s
